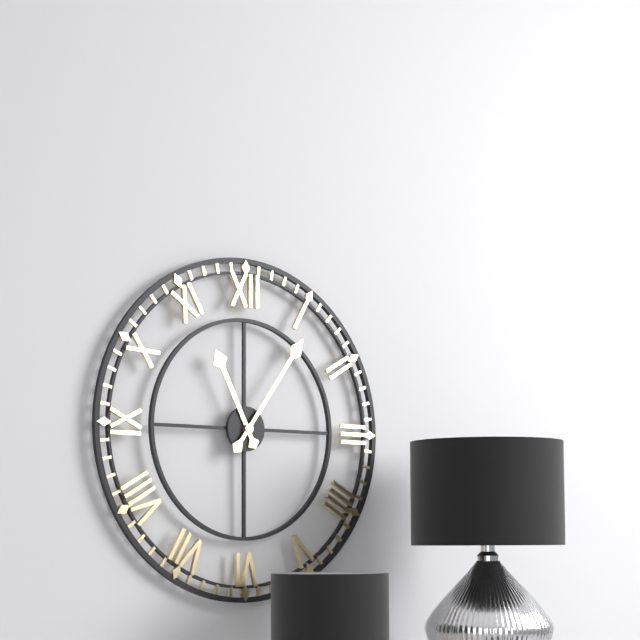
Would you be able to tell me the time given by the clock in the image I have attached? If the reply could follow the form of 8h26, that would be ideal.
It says 11h06
